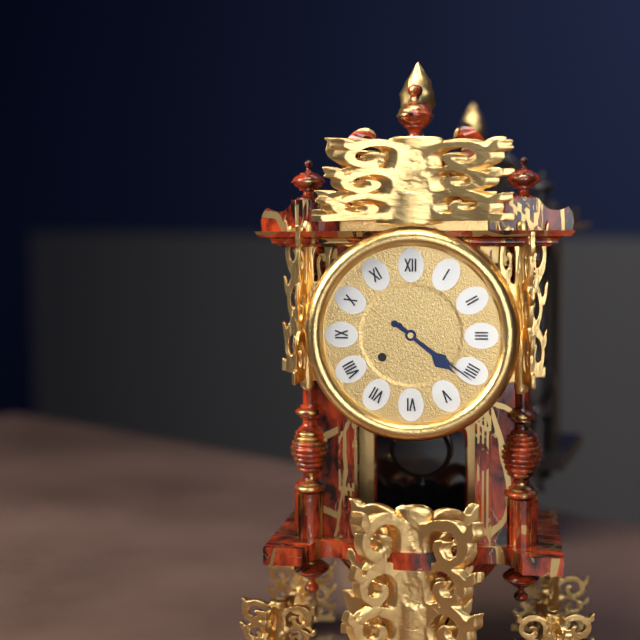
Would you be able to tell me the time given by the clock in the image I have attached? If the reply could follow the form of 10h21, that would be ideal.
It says 4h21
